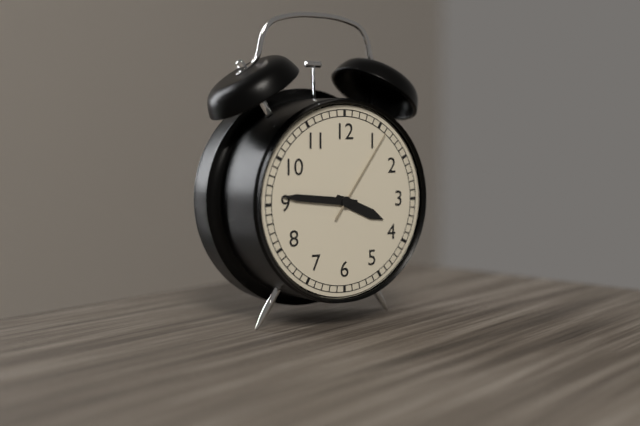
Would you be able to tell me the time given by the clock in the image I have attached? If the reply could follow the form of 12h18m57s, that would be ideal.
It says 3h46m06s
